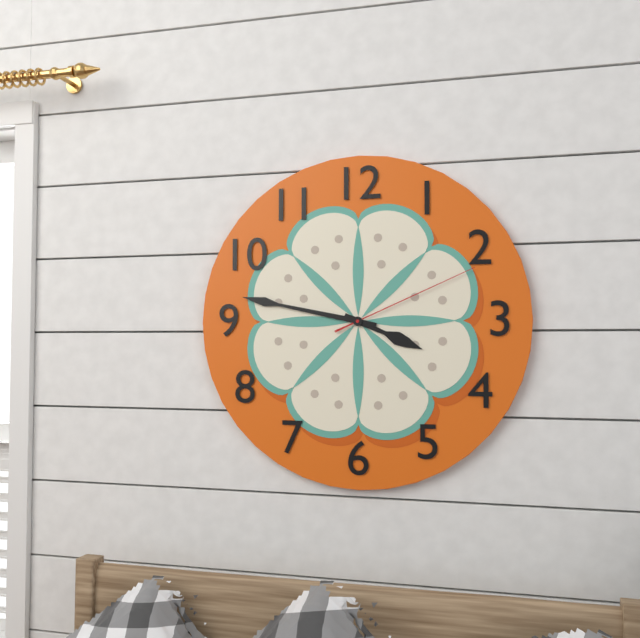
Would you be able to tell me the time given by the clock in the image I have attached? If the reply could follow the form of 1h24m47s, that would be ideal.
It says 3h47m11s
